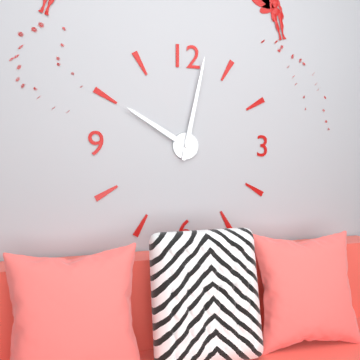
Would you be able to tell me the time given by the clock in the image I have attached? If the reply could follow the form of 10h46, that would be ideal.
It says 10h02
